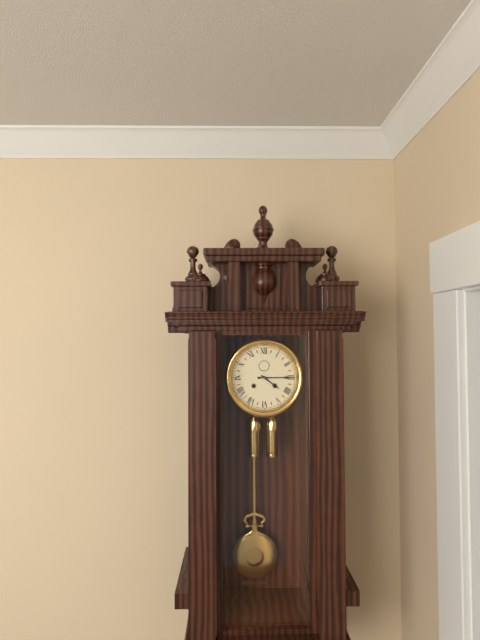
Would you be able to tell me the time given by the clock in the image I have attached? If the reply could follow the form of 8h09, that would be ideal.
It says 4h15
